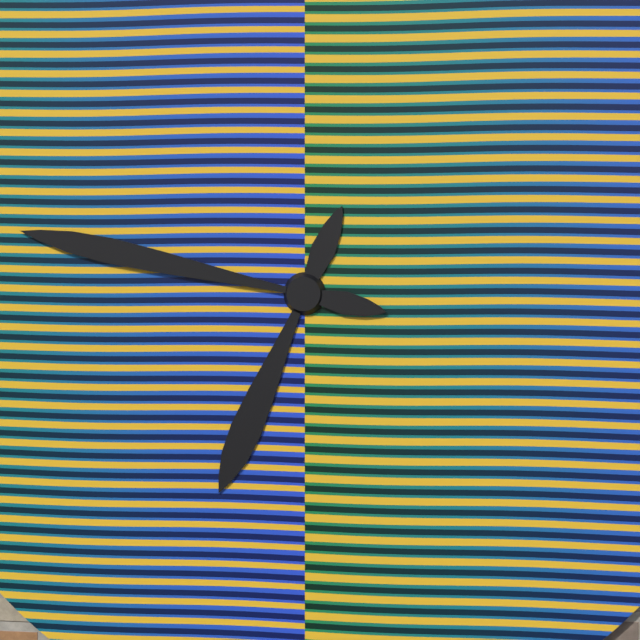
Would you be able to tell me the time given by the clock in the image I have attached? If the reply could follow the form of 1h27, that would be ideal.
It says 6h47
